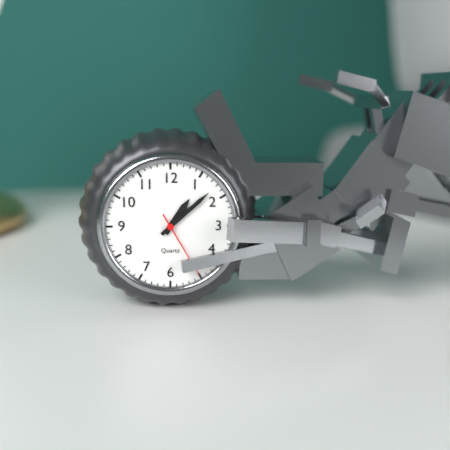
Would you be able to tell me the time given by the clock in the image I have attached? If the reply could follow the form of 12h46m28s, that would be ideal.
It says 1h08m25s
